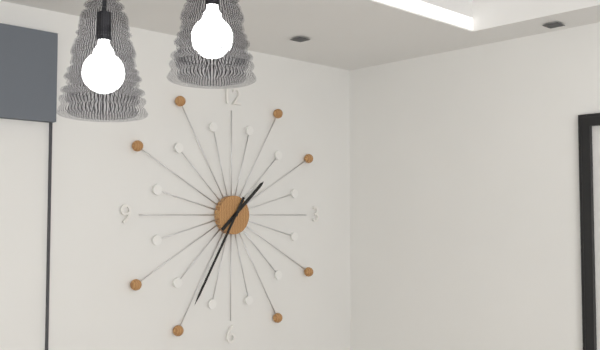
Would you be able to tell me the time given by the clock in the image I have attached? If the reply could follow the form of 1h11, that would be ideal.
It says 1h35
